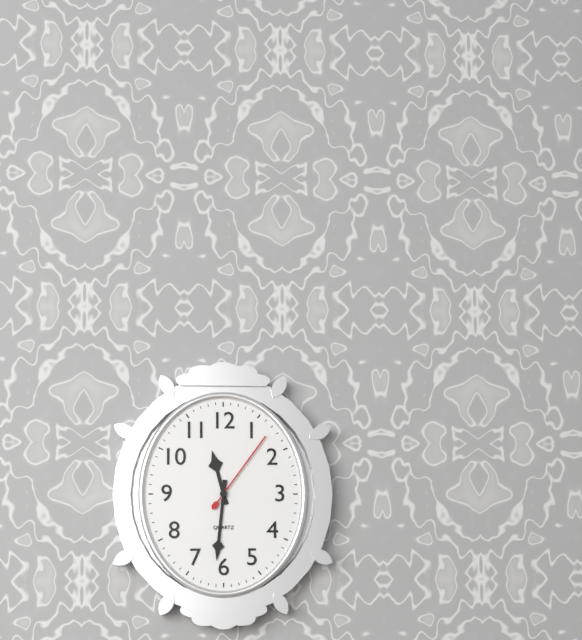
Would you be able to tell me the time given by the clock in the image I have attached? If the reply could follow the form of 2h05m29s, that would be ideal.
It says 11h31m06s
